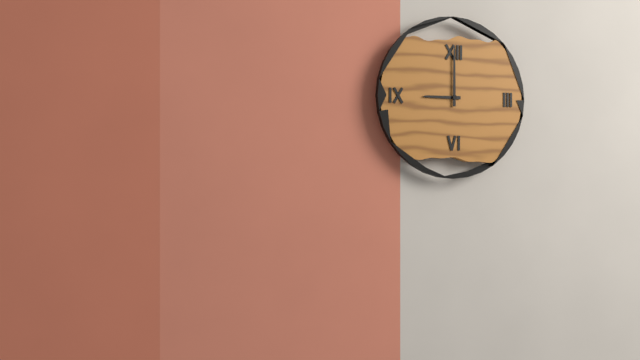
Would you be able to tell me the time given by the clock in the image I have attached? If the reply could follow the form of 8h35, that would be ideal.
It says 9h00
